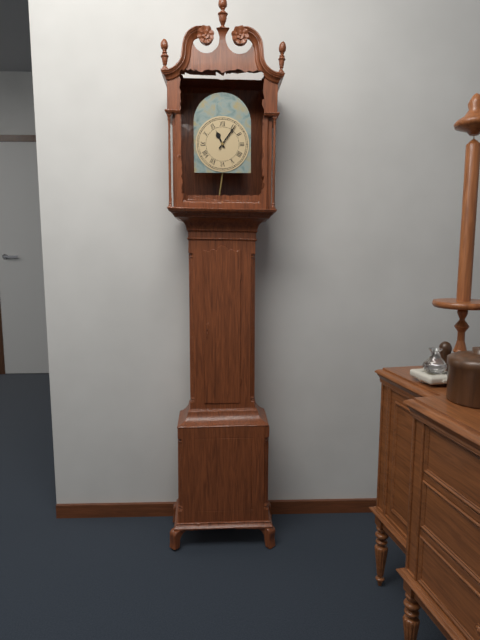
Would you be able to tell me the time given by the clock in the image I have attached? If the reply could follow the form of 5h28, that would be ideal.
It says 11h06
